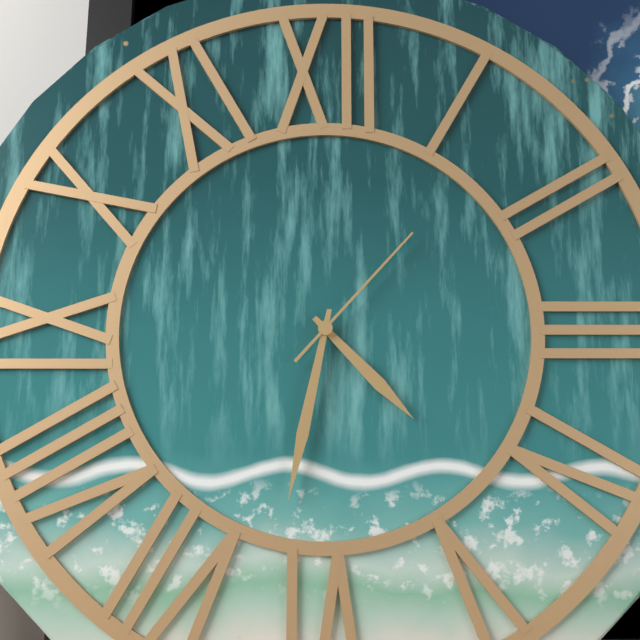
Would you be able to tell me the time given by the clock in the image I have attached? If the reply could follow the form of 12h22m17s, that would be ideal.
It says 4h32m07s
